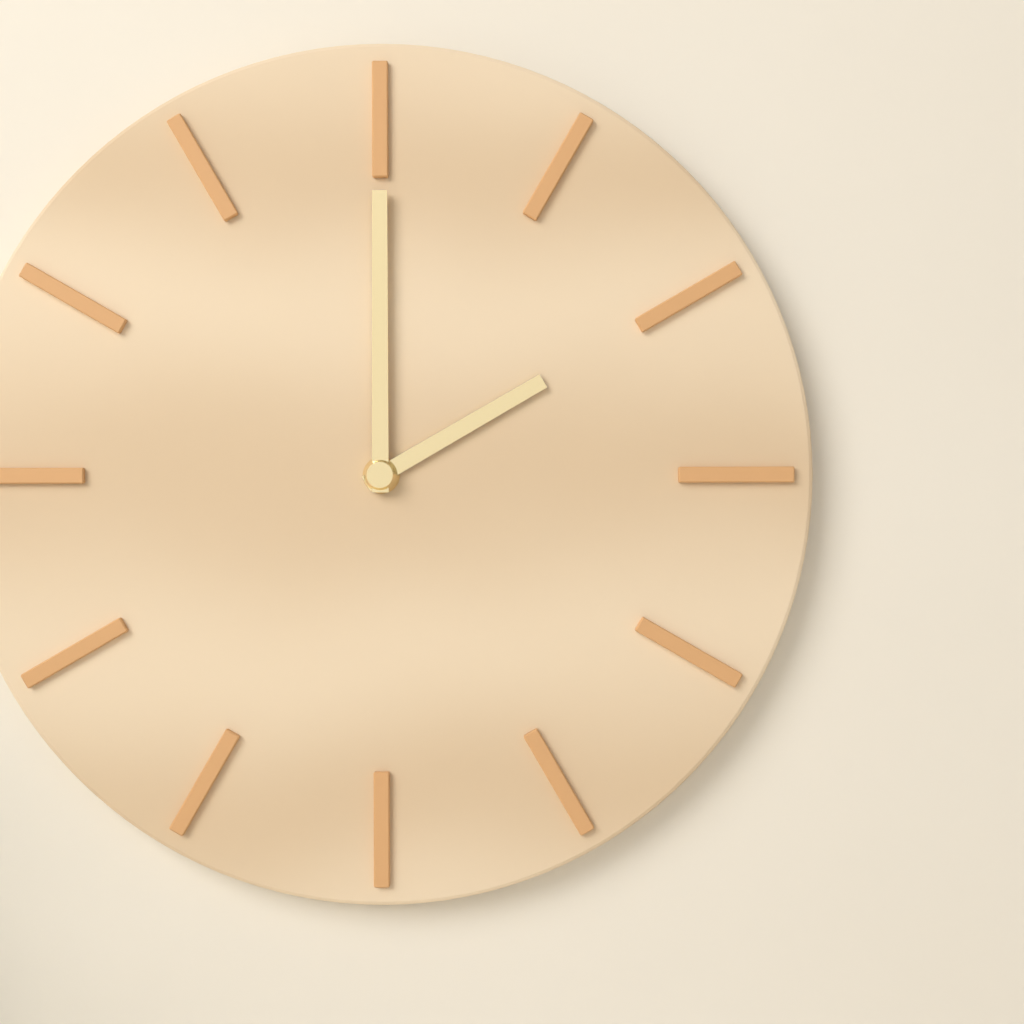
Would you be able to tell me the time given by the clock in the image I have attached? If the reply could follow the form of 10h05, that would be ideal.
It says 2h00
